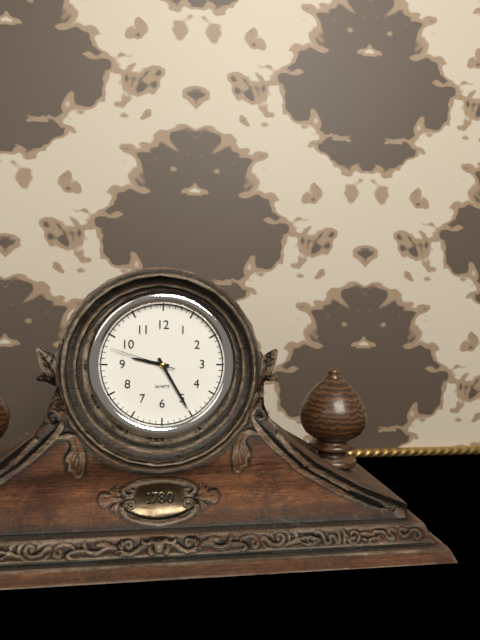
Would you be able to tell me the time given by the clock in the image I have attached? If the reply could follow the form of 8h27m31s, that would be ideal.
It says 9h25m48s
